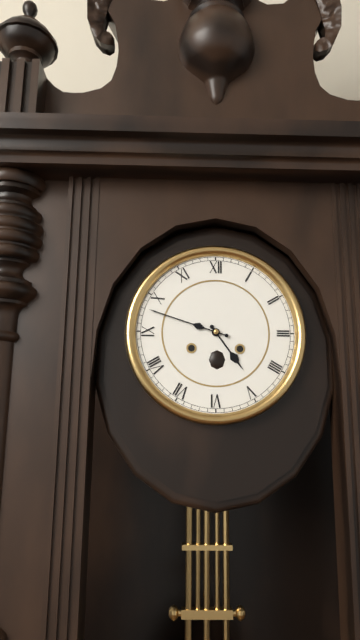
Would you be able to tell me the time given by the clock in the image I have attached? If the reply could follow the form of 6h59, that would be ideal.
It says 4h48
